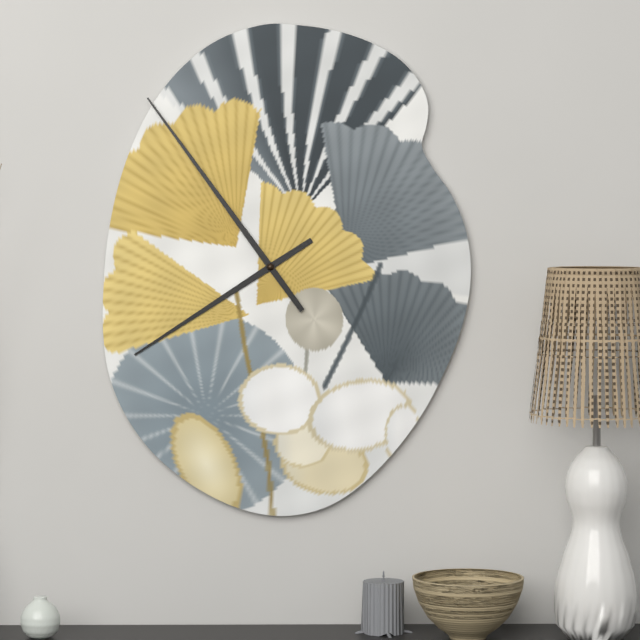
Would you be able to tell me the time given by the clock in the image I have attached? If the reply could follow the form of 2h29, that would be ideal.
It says 7h54
